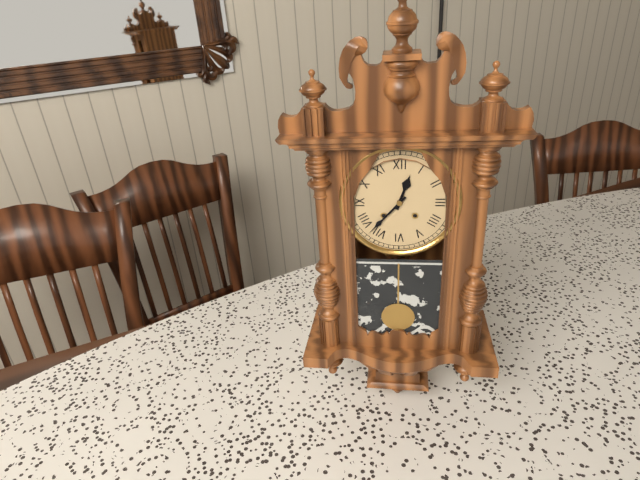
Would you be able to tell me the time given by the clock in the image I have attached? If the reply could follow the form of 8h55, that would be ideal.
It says 12h37
